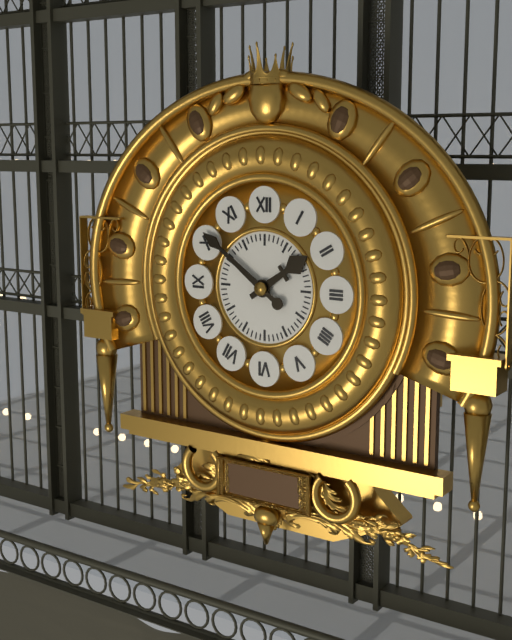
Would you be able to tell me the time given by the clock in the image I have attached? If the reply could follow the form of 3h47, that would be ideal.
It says 1h51
